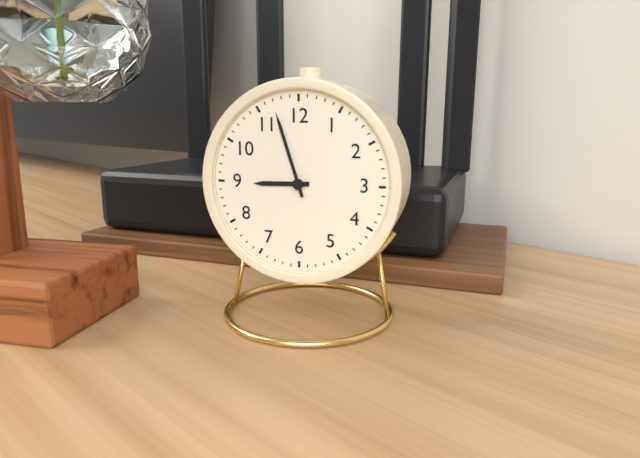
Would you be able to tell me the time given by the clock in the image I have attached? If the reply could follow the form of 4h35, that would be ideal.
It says 8h57
